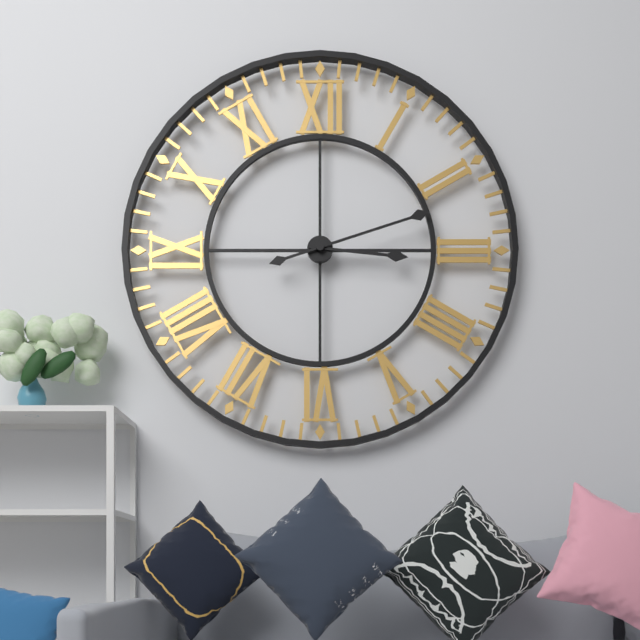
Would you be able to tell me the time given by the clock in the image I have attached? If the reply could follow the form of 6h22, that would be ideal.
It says 3h12
